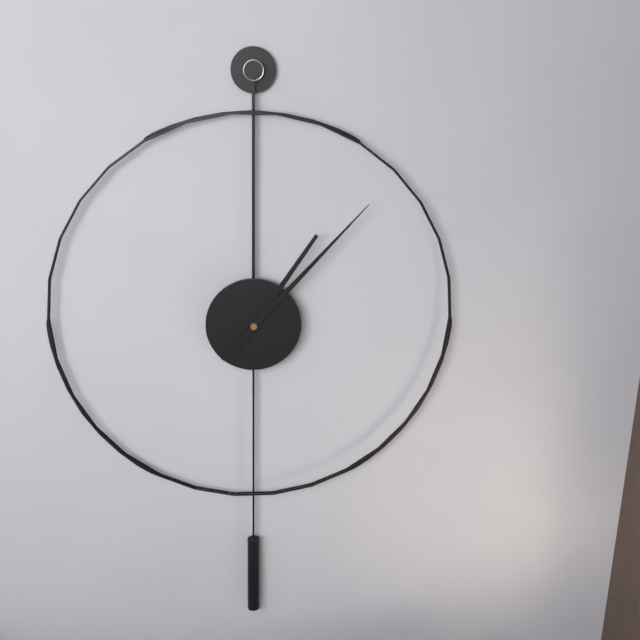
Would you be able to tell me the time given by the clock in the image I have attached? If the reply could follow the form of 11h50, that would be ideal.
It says 1h07
